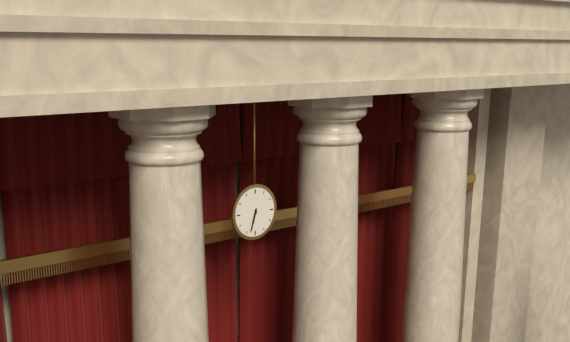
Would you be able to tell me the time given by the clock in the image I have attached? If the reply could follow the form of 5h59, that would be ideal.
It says 6h33
